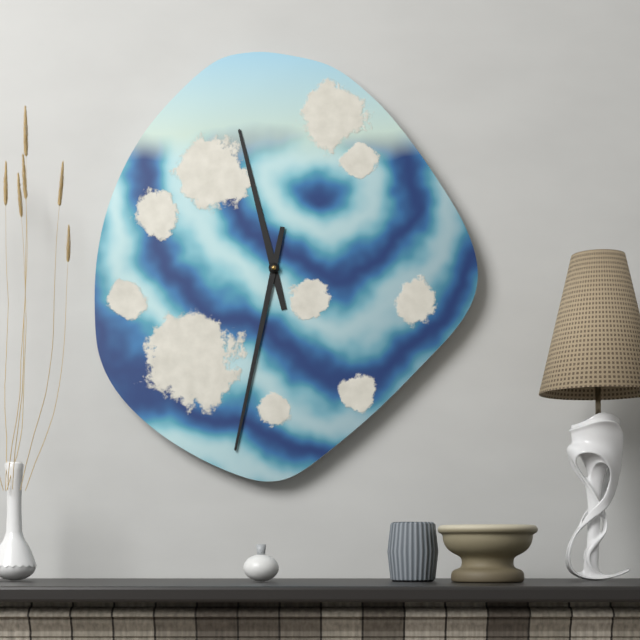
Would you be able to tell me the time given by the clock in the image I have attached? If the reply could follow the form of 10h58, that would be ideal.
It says 11h32
